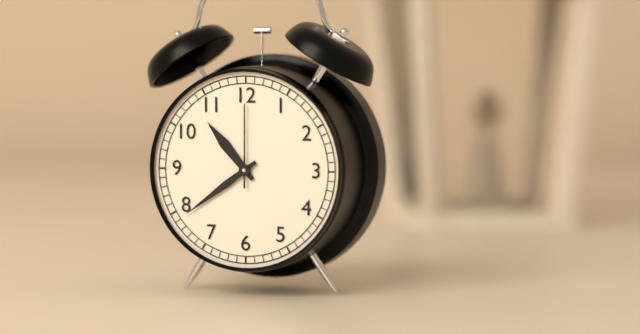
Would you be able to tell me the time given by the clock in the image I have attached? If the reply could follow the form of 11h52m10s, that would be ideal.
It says 10h39m00s
